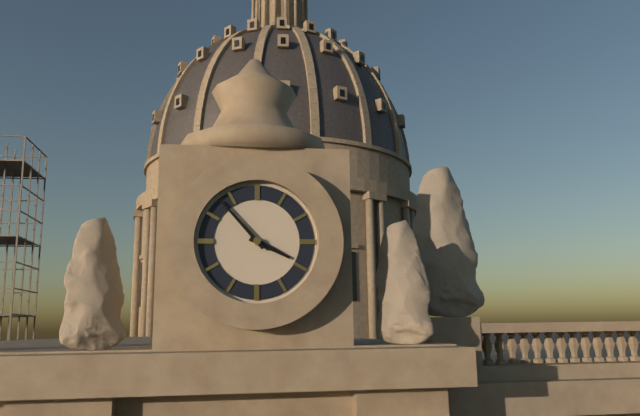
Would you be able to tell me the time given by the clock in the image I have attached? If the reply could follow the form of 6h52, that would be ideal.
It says 3h53
